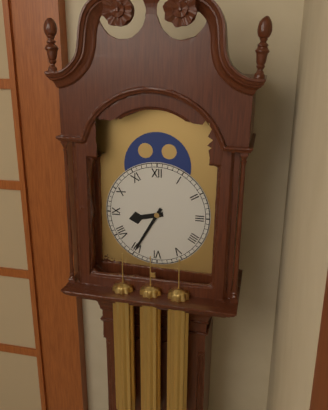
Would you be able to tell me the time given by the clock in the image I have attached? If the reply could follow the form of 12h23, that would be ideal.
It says 8h35
